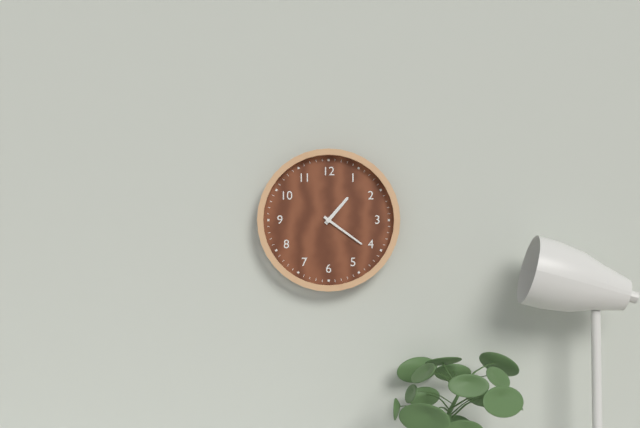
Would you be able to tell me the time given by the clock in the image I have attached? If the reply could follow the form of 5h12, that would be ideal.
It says 1h21
